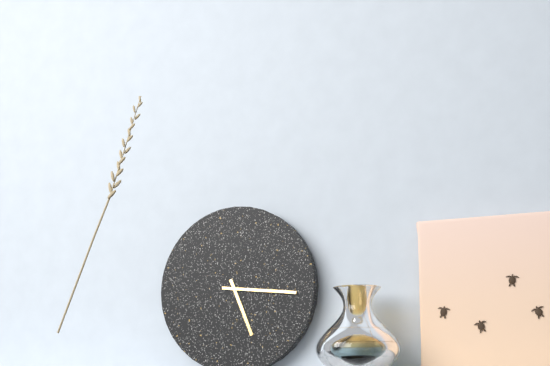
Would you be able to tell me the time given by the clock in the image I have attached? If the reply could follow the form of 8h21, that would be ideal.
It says 5h16
